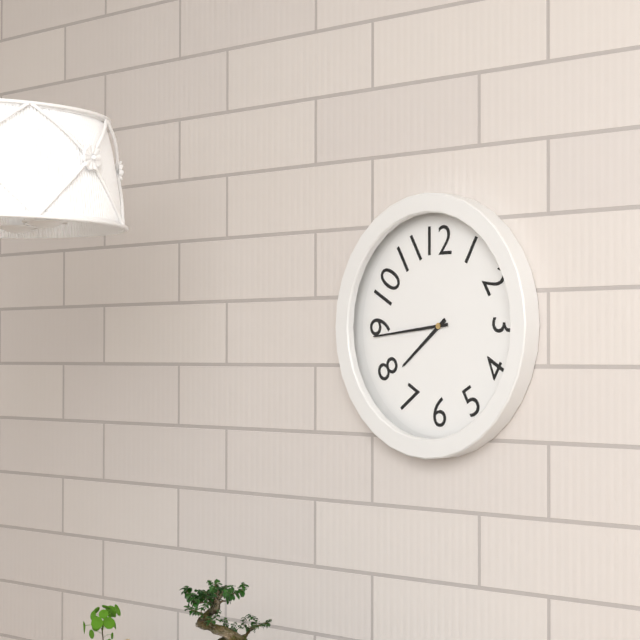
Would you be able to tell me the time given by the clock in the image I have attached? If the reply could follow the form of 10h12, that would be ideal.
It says 7h44
